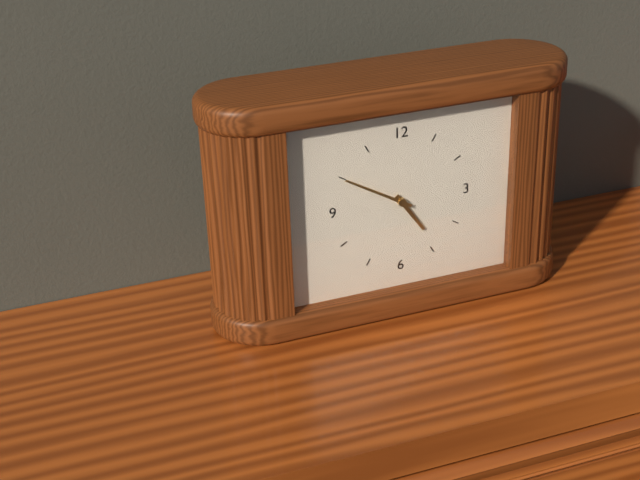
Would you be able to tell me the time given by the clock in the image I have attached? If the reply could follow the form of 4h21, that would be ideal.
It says 4h50
